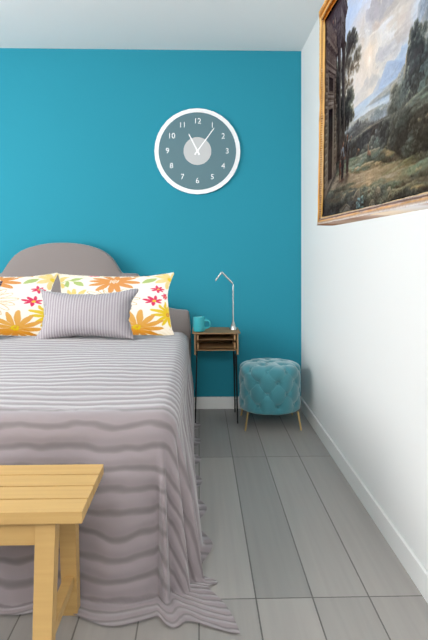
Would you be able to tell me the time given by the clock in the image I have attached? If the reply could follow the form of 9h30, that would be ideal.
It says 11h06
